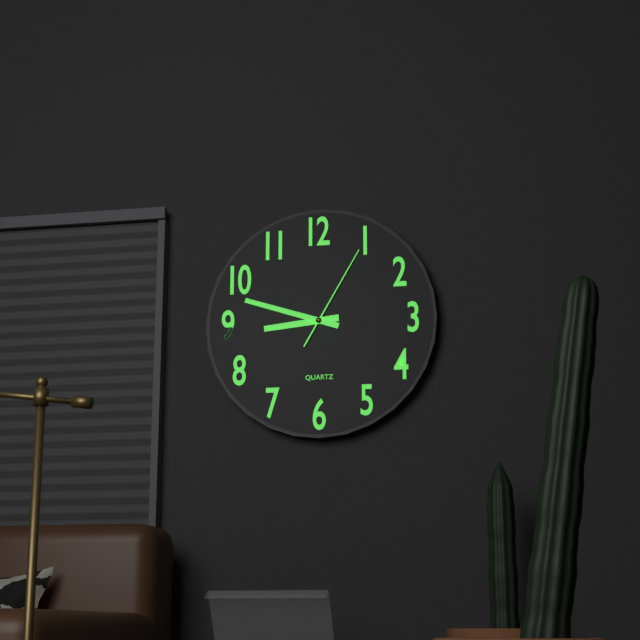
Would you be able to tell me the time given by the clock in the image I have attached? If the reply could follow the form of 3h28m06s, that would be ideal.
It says 8h48m05s
